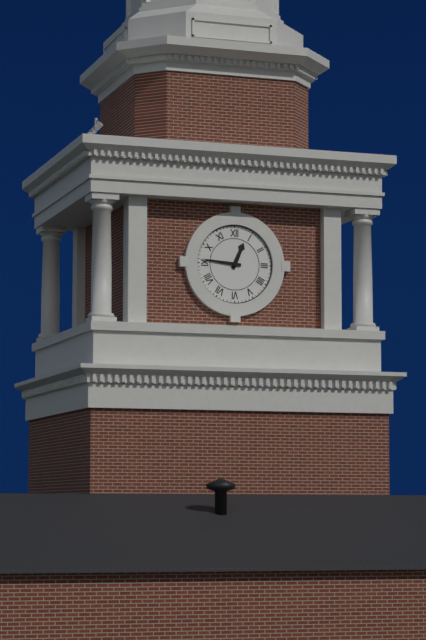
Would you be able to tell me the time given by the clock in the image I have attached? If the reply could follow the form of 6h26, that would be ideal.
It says 12h46
